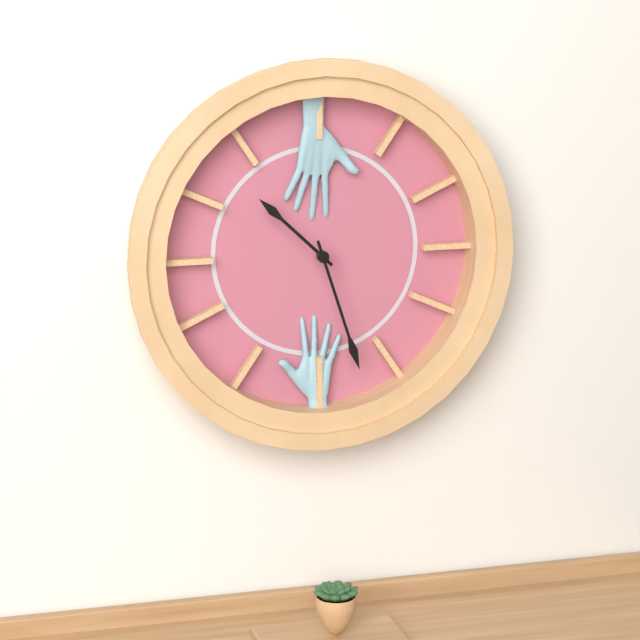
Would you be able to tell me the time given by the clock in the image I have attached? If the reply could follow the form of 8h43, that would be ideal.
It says 10h27
